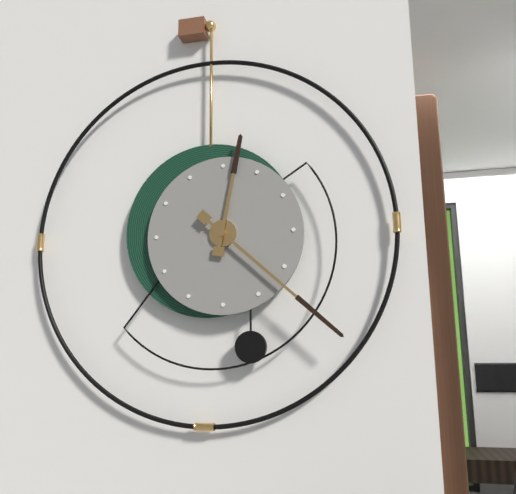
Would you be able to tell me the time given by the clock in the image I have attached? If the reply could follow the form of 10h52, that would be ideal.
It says 12h22
